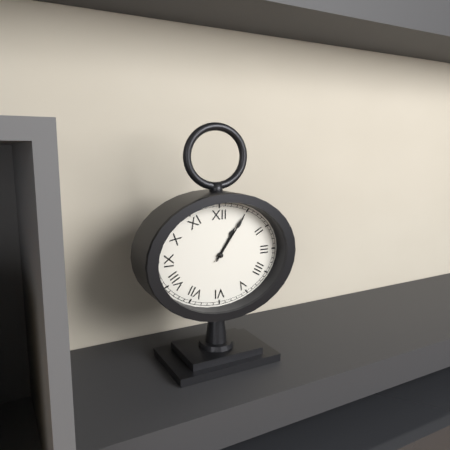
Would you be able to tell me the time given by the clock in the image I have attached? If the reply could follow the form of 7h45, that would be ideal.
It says 1h06
